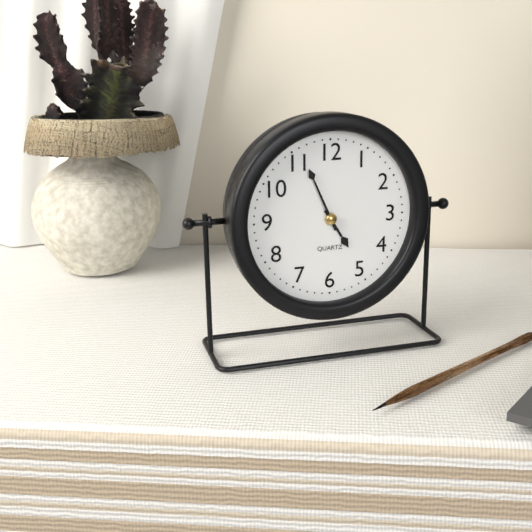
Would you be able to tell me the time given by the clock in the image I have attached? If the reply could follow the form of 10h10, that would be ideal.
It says 4h56
